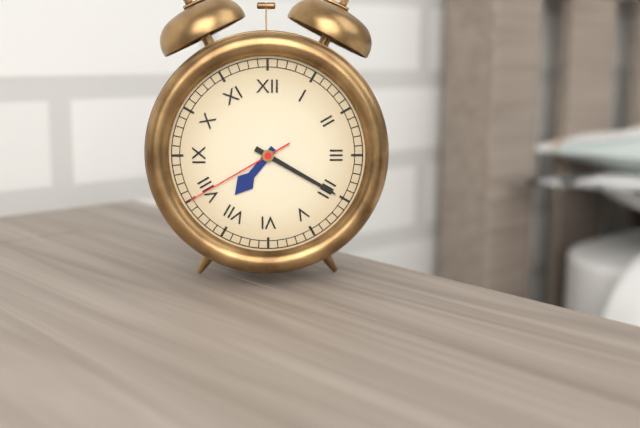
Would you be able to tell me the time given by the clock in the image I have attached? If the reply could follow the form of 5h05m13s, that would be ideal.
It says 7h20m40s
